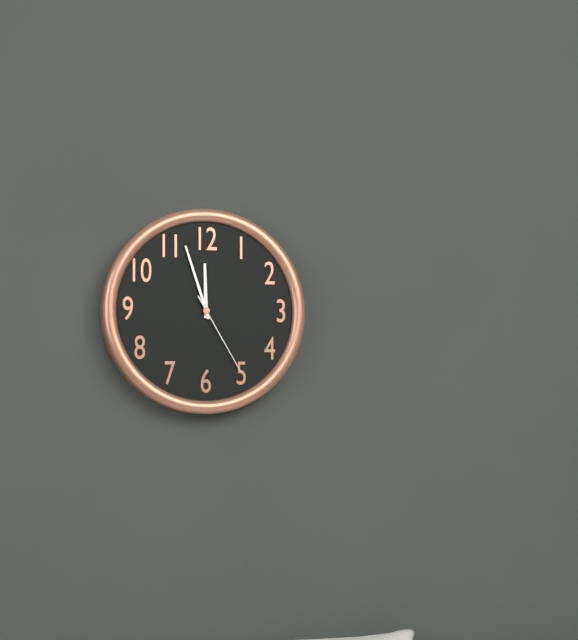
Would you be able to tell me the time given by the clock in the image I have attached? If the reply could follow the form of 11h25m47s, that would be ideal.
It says 11h57m25s
